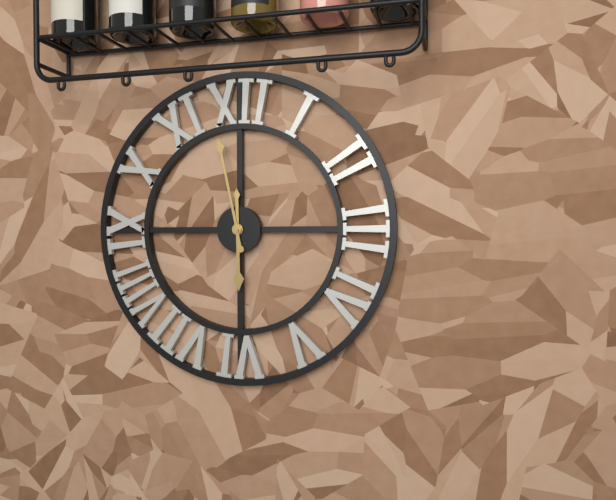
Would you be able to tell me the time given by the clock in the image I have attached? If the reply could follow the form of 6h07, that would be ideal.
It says 5h58
